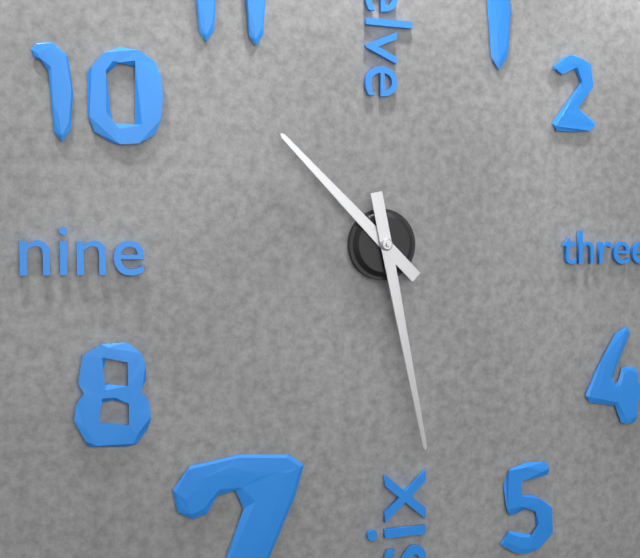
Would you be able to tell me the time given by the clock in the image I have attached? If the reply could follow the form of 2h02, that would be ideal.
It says 10h28
